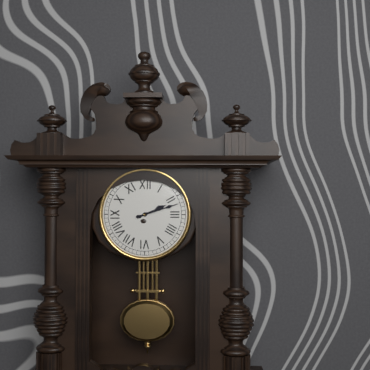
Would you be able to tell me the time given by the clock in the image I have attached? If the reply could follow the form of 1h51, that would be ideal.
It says 2h12
